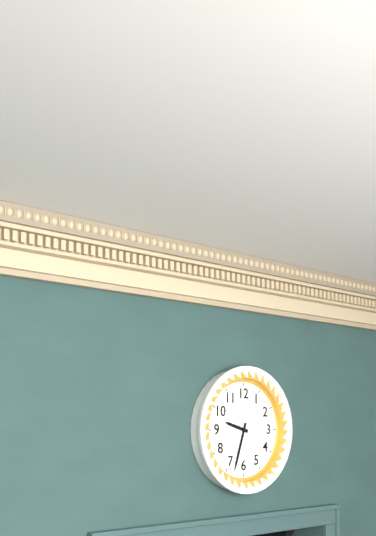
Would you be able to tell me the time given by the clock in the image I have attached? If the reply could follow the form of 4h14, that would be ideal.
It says 9h33
